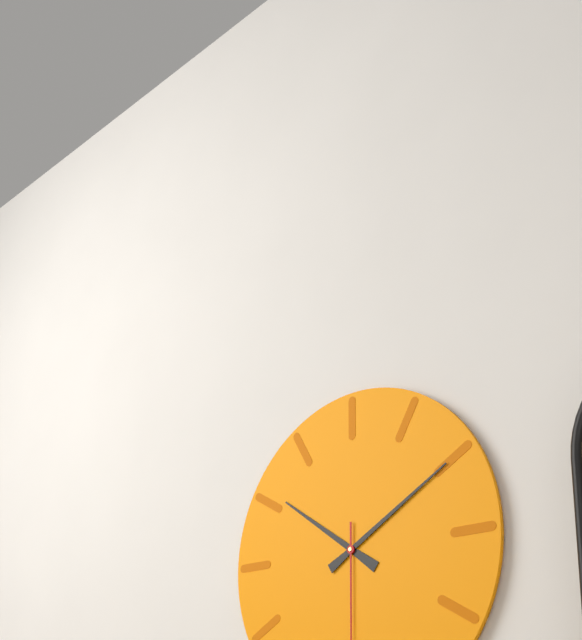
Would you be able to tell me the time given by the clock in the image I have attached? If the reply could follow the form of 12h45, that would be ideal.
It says 10h10
